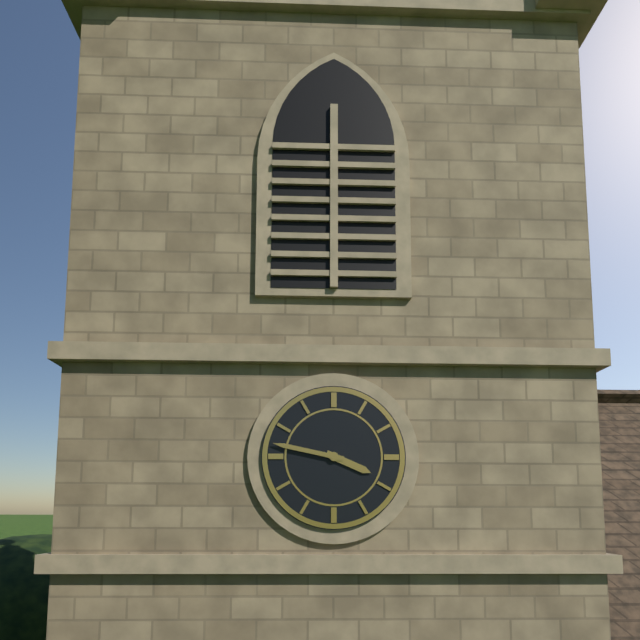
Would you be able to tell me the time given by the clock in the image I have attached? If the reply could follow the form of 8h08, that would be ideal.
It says 3h47
